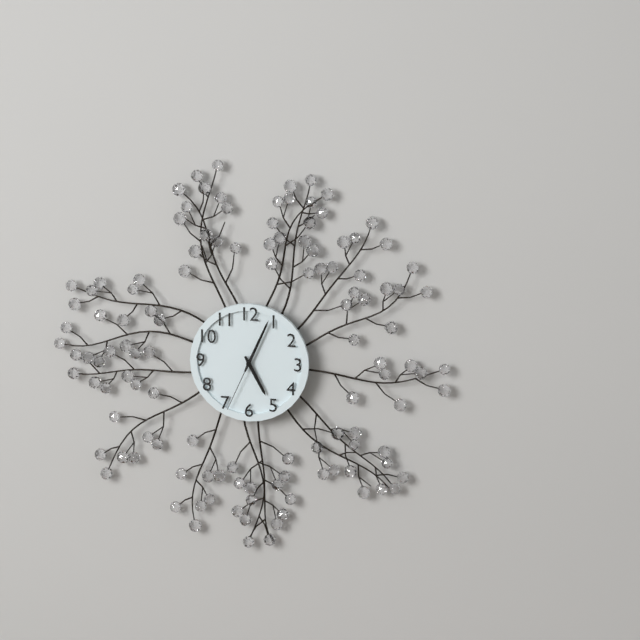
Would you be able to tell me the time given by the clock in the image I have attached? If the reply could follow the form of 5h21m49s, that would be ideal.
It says 5h04m34s
